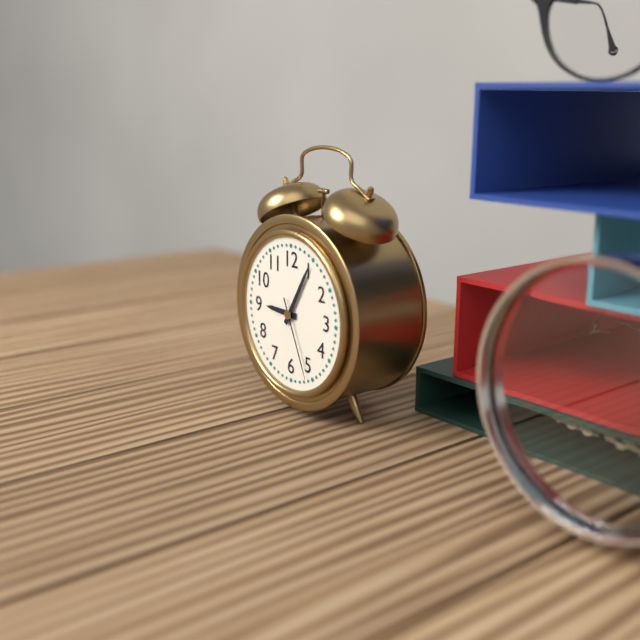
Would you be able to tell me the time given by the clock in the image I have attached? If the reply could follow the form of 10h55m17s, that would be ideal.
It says 9h05m26s
